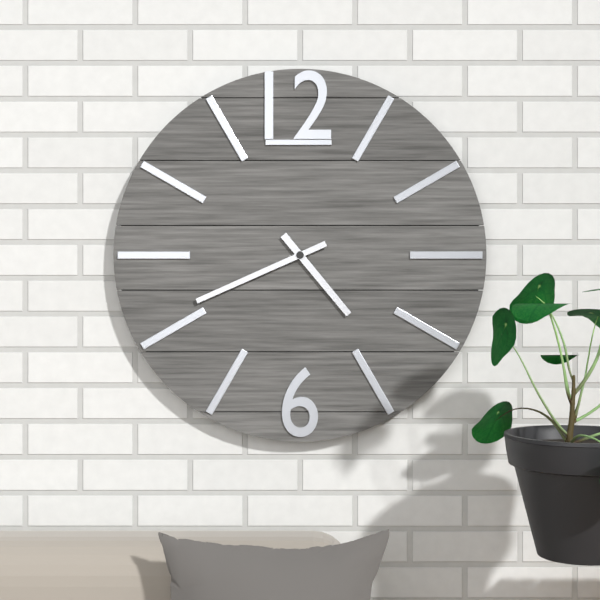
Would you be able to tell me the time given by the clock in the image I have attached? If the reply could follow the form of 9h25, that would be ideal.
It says 4h41
